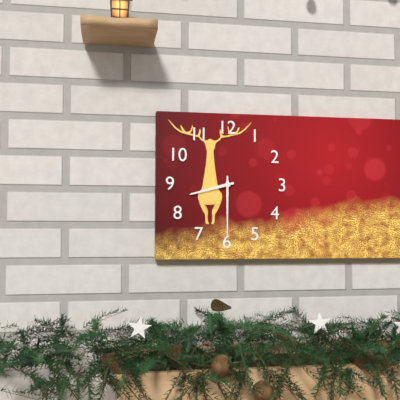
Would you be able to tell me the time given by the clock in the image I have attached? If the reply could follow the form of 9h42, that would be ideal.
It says 8h30
